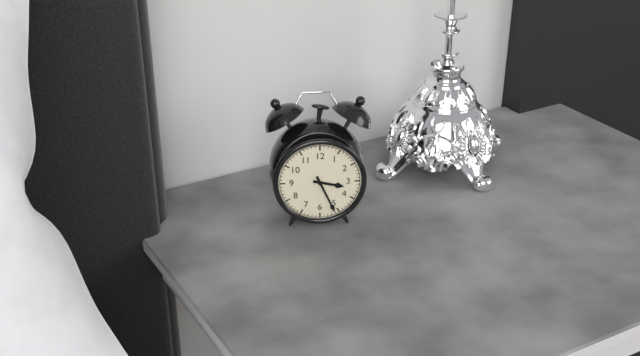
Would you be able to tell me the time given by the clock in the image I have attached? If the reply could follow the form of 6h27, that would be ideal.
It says 3h26
